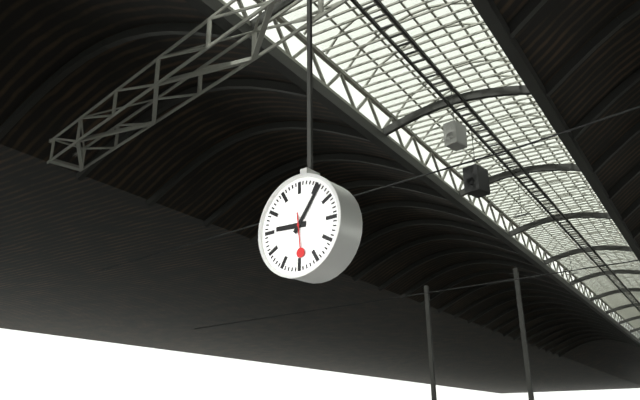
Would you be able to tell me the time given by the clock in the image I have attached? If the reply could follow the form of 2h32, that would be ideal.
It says 9h06
